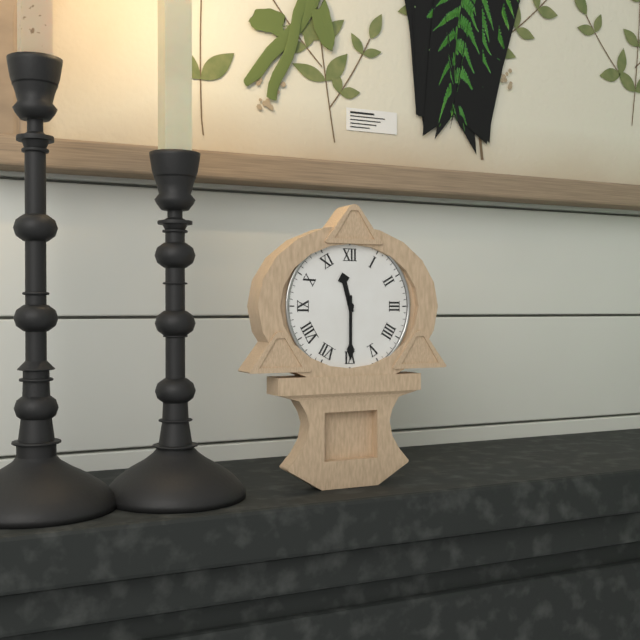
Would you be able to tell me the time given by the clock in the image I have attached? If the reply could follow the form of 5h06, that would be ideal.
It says 11h30
